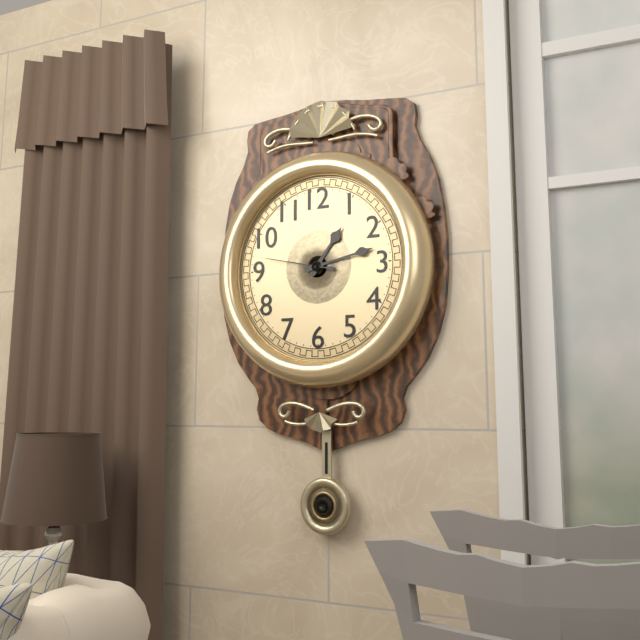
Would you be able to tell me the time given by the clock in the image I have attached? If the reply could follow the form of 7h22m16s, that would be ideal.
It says 1h13m47s
